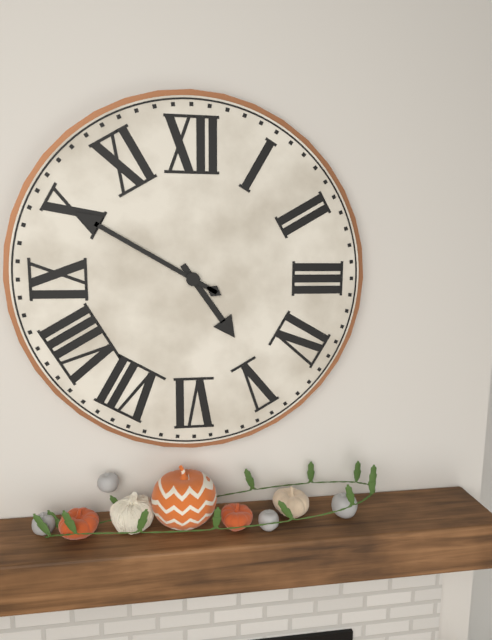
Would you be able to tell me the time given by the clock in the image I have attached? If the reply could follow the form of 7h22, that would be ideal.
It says 4h50
